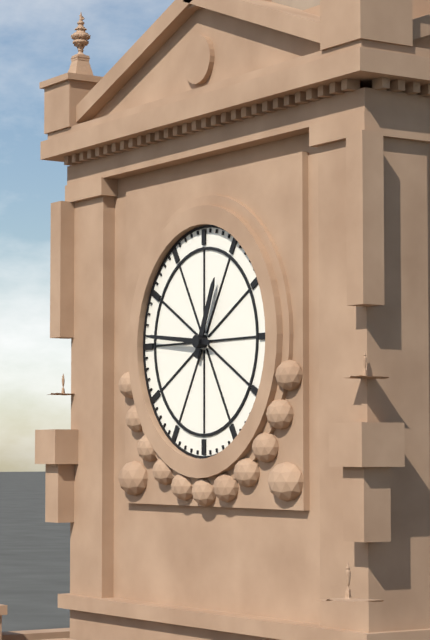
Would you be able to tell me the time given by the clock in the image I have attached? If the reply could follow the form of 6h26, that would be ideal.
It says 12h46
